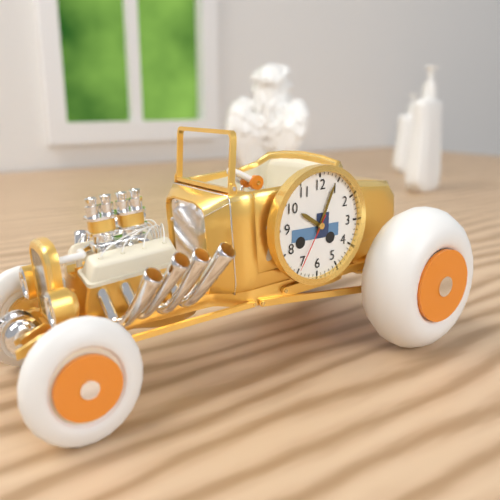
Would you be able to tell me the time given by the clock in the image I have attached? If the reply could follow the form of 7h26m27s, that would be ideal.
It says 10h04m35s
